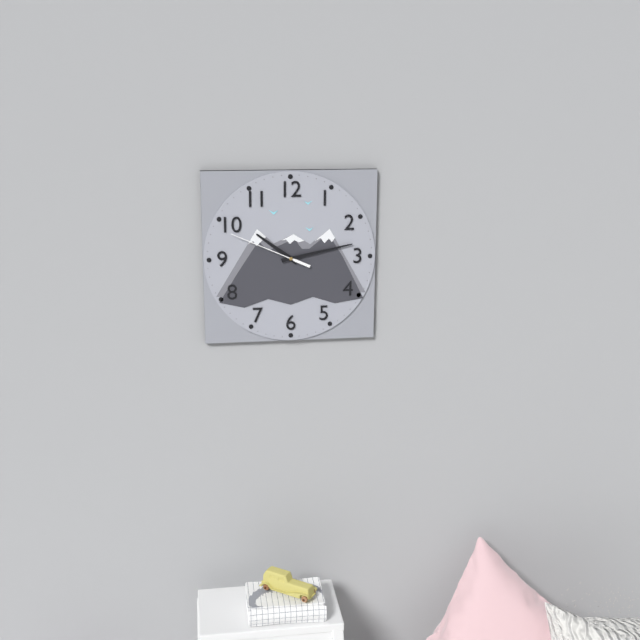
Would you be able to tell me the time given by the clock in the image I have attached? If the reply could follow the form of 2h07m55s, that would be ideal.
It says 10h13m49s
